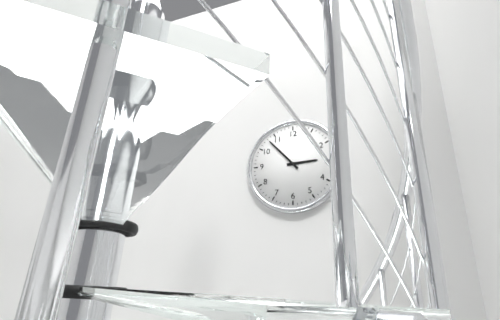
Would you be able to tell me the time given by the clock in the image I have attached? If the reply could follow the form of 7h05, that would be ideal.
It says 2h53
